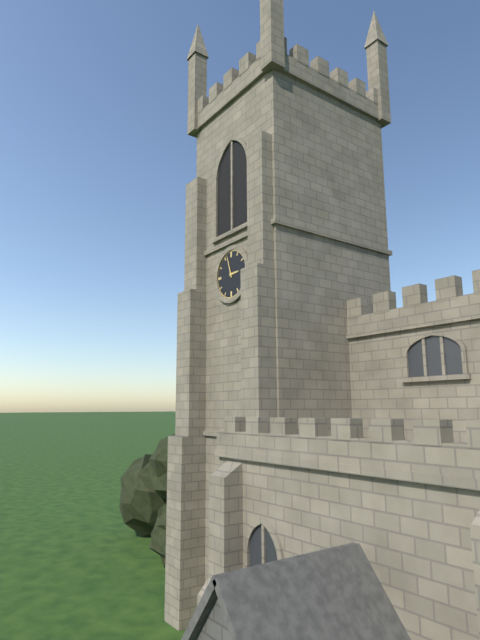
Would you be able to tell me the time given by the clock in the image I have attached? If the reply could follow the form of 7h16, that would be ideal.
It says 2h57
